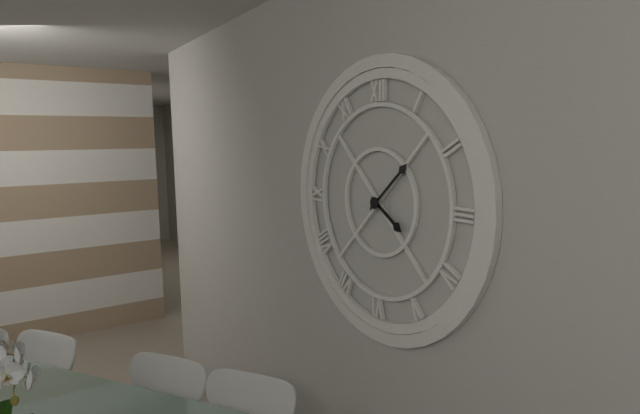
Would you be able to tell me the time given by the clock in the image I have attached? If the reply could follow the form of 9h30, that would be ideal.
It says 4h08
